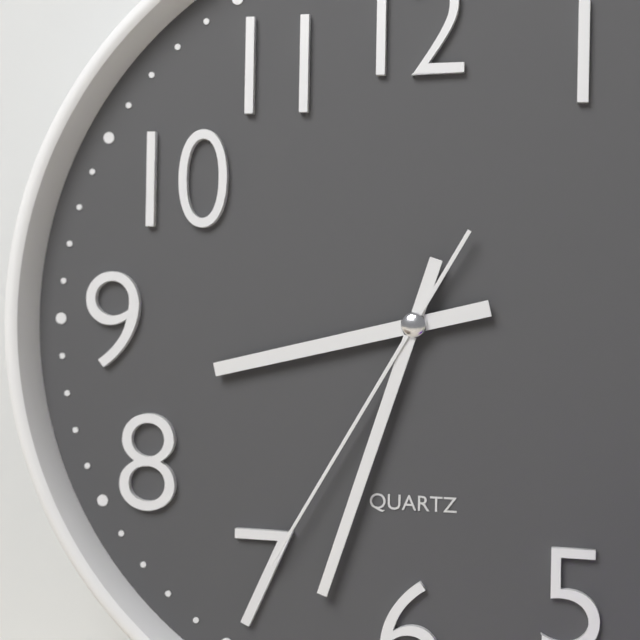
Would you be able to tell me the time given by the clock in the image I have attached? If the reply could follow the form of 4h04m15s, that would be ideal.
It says 8h33m35s
